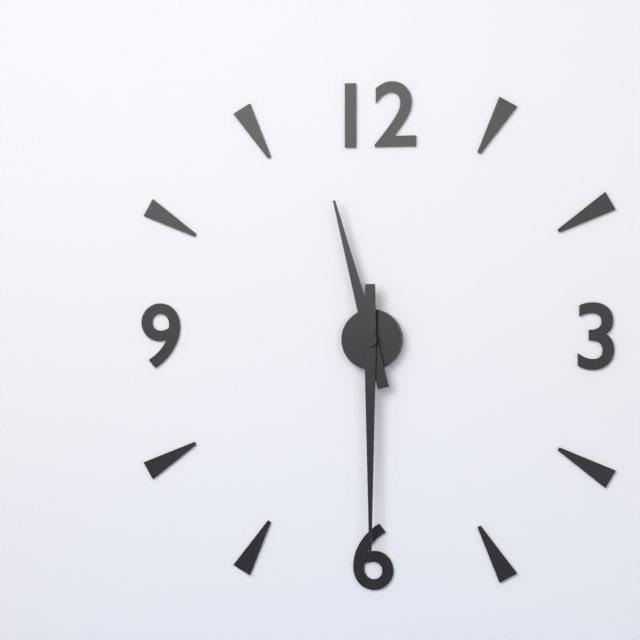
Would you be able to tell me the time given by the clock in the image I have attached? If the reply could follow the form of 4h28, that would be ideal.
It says 11h30
